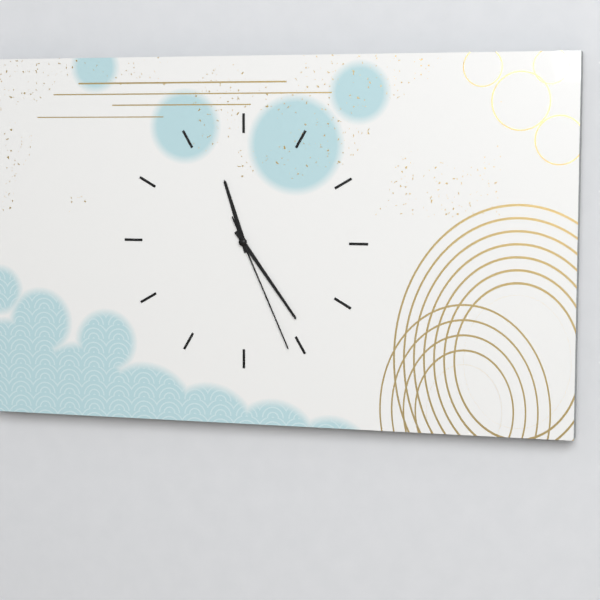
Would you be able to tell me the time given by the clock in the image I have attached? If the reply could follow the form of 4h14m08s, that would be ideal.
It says 11h24m26s
